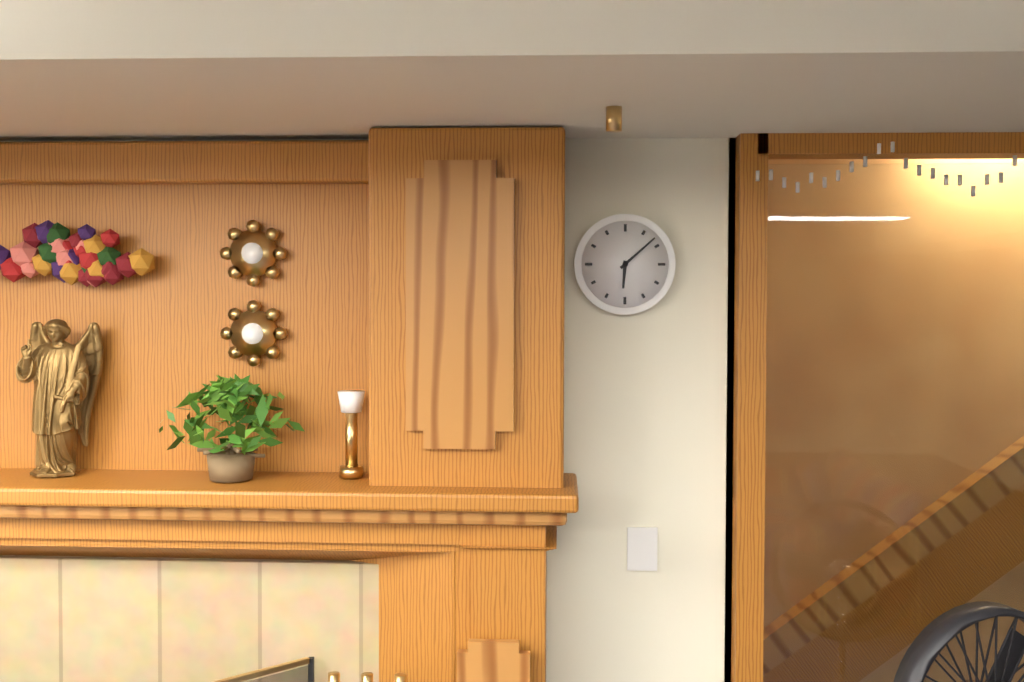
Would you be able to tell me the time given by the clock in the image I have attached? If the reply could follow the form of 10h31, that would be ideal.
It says 6h08
